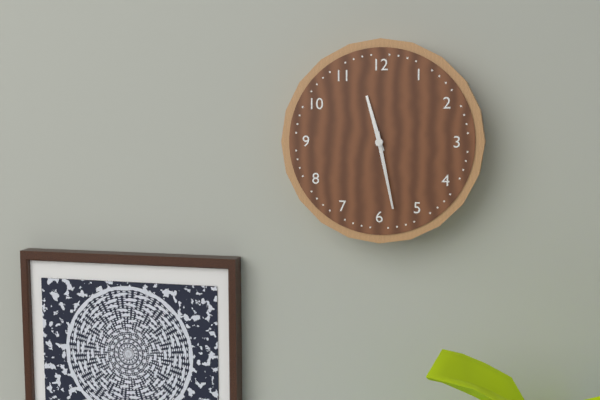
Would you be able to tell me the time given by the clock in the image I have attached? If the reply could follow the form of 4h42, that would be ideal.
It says 11h28
